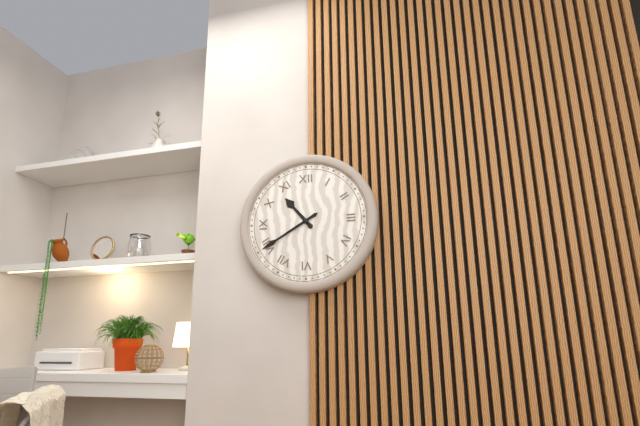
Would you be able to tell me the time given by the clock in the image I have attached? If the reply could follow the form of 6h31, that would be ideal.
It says 10h40
